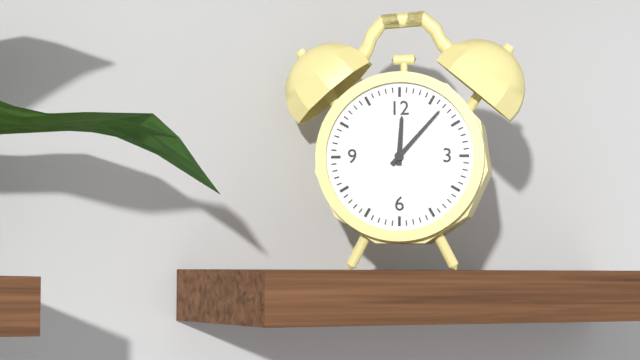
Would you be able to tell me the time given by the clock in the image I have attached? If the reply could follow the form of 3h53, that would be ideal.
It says 12h07
